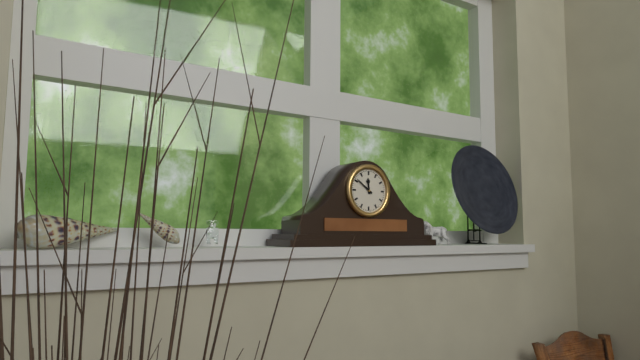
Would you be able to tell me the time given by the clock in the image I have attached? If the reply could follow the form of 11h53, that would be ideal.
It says 11h51
